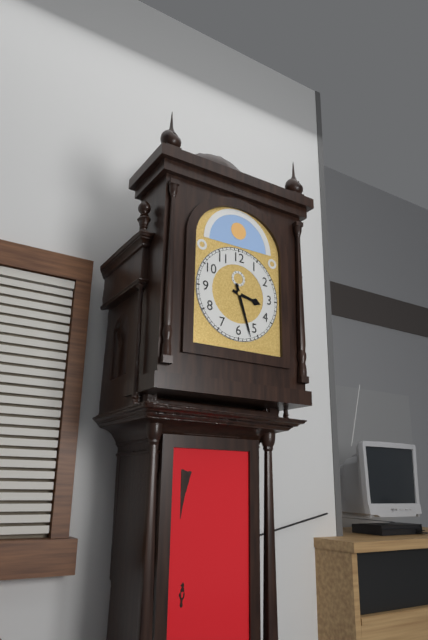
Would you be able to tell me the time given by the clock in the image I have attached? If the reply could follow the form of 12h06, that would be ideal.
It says 3h27
